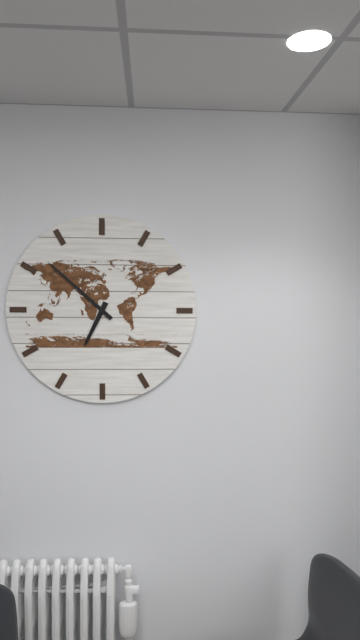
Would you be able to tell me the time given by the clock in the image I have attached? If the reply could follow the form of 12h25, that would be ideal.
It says 6h52
